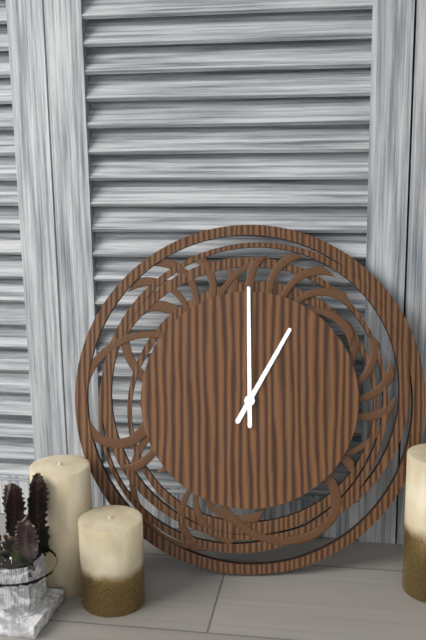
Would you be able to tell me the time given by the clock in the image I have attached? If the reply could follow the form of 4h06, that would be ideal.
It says 1h00
